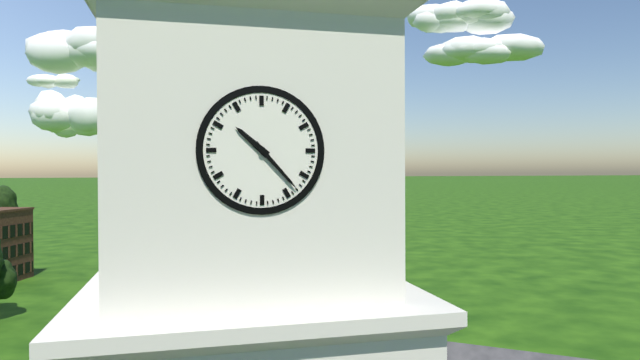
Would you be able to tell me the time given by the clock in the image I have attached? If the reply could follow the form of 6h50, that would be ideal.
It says 10h23
